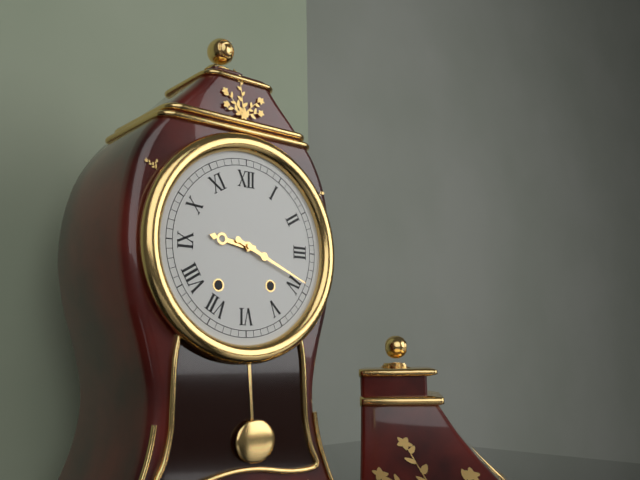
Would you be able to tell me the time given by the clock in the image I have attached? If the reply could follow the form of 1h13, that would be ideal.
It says 9h19
